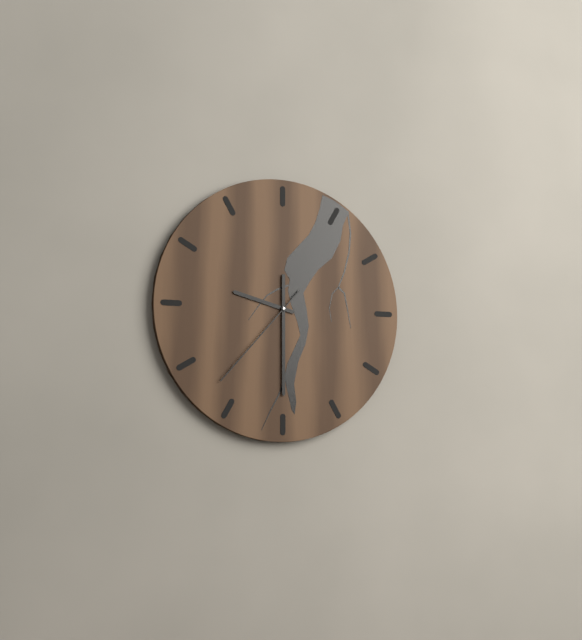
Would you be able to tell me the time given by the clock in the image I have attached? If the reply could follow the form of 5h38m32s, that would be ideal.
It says 9h30m37s
